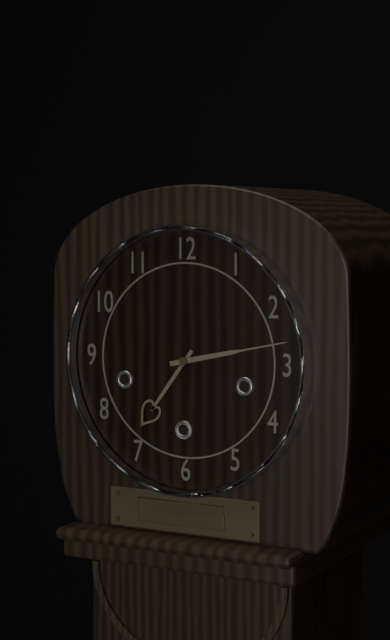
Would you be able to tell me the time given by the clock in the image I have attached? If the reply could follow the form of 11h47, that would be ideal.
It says 7h13
